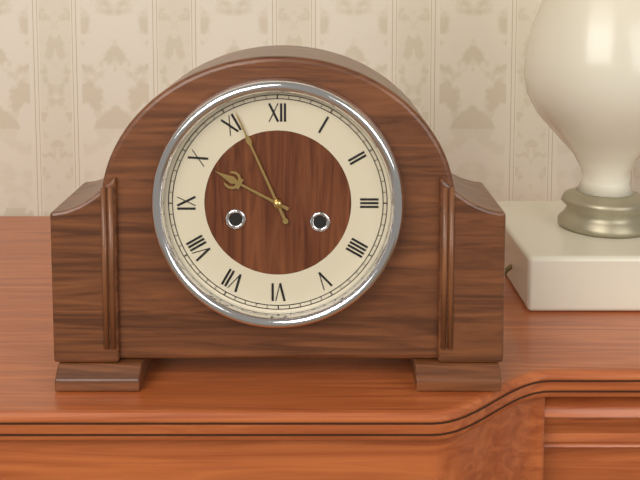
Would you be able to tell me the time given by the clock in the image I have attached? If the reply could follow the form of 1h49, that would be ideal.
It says 9h56
